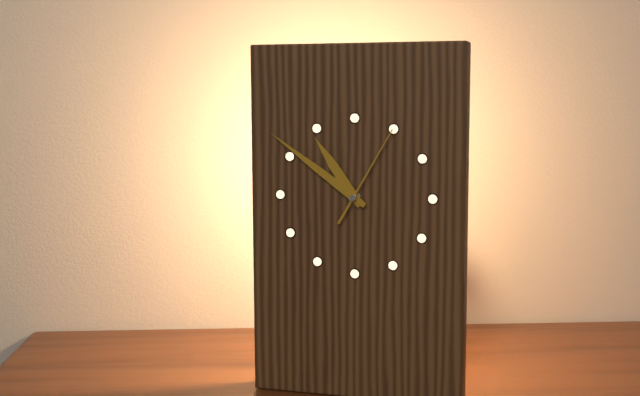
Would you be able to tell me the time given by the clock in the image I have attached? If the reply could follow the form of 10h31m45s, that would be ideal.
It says 10h51m05s
